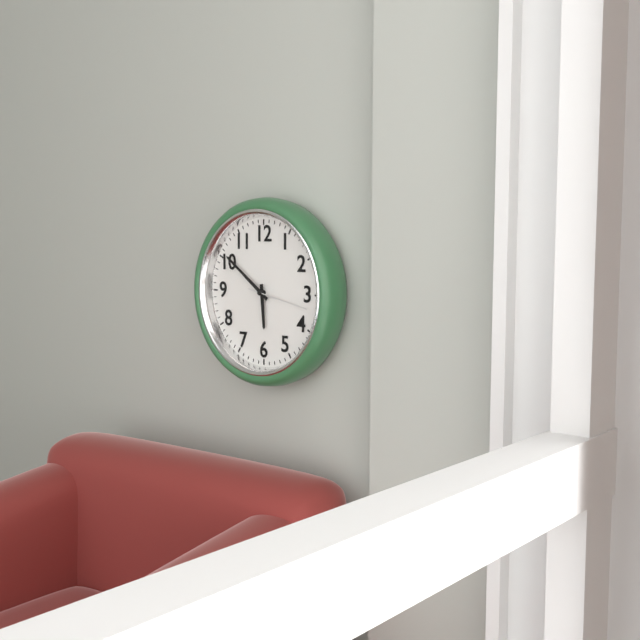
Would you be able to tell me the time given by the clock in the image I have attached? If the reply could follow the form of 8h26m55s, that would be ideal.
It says 5h51m17s
